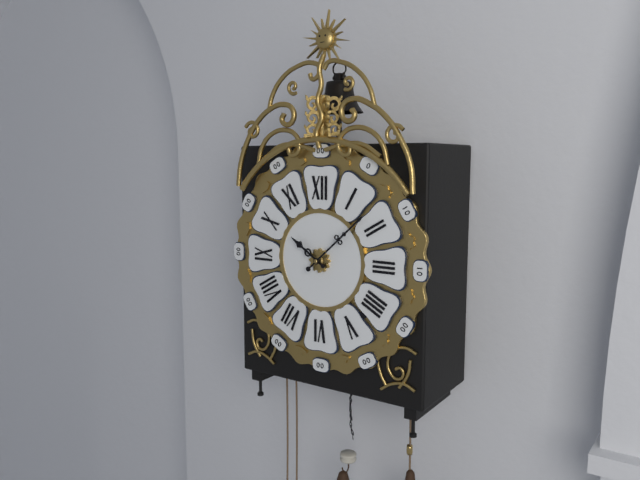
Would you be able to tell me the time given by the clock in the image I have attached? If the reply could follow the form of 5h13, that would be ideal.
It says 10h08
